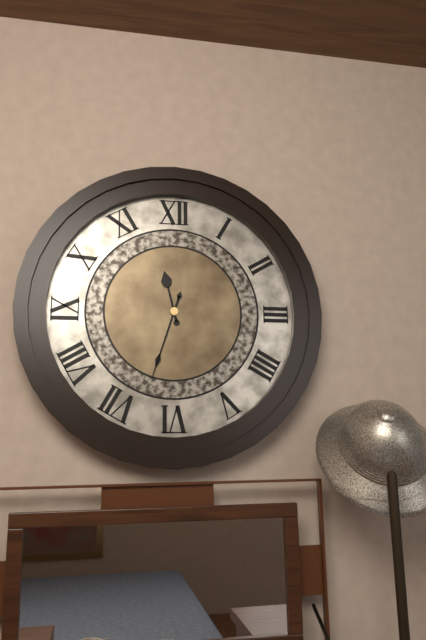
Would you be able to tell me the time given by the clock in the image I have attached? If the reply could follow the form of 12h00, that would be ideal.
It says 11h33
